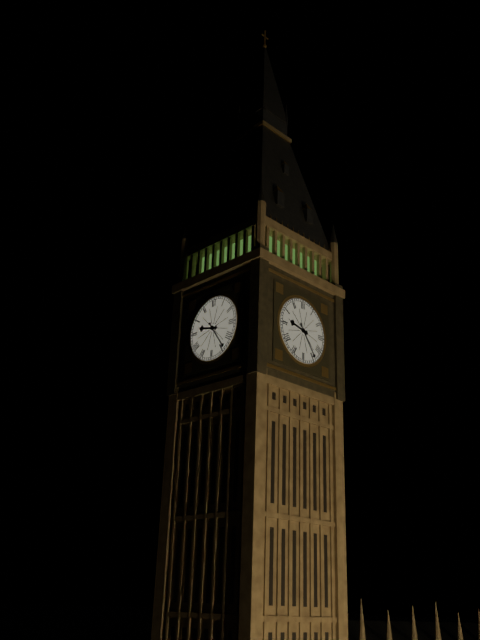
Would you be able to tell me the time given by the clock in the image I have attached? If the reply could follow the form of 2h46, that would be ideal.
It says 9h24
